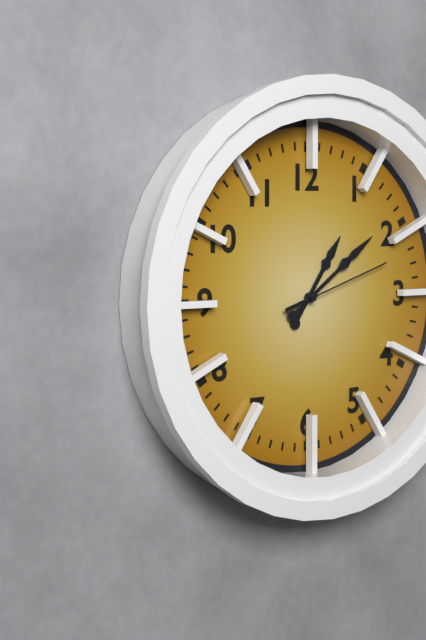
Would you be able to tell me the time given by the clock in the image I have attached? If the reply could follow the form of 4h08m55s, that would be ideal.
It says 1h09m12s
